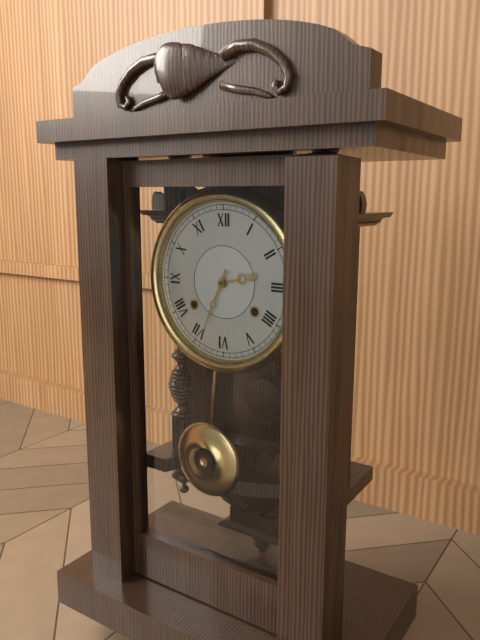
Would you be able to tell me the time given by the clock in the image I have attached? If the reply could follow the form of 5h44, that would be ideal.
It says 2h34
